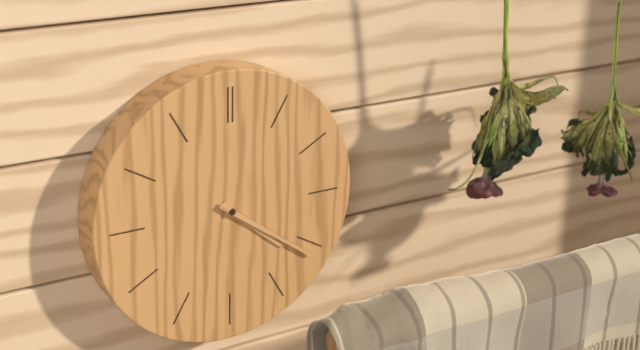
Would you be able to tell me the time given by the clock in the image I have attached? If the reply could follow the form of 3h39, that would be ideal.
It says 4h21
